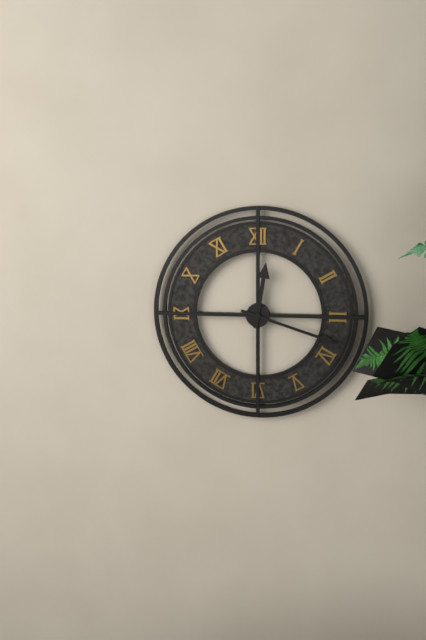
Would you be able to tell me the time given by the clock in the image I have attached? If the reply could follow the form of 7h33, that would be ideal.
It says 12h18
